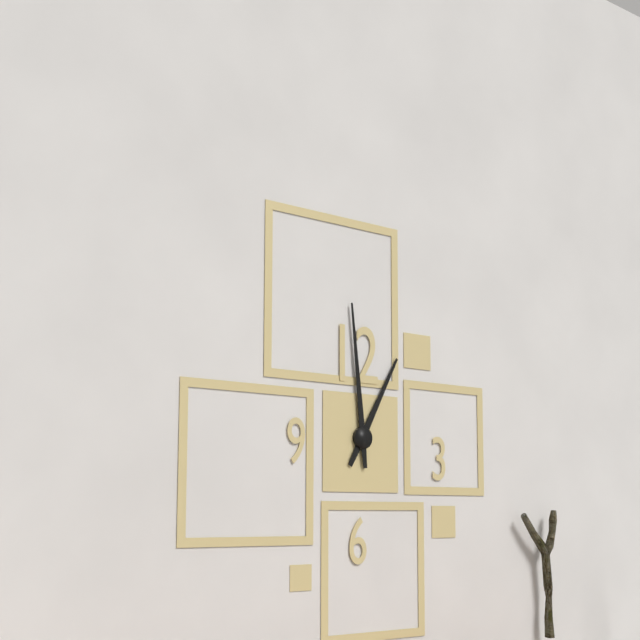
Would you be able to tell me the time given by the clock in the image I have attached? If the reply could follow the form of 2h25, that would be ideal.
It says 12h59
